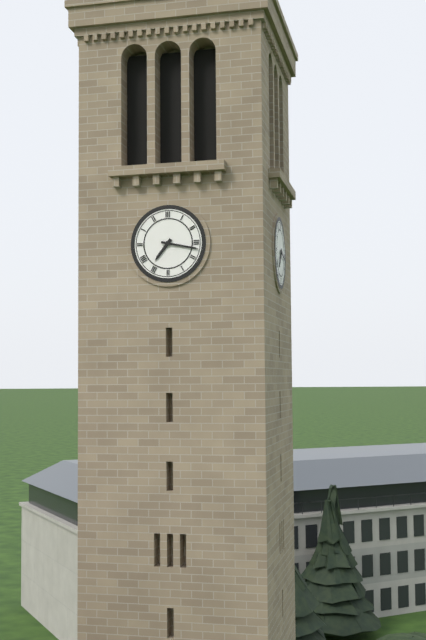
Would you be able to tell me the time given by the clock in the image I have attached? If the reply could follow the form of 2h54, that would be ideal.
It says 7h17
